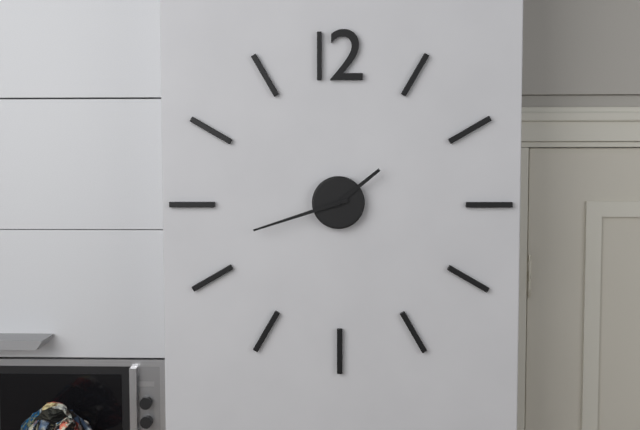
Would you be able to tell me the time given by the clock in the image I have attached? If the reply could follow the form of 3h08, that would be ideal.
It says 1h42
